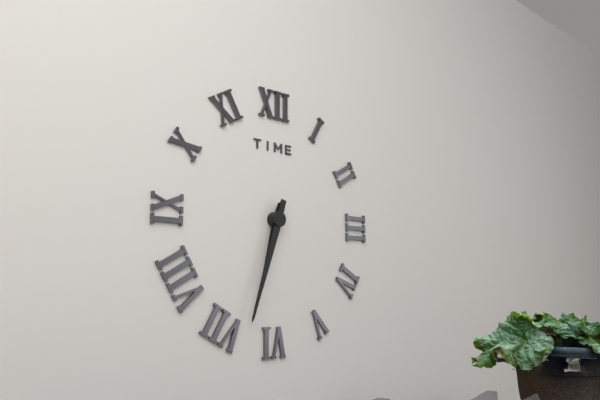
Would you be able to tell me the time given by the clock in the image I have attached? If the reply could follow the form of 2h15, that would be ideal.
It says 6h33
